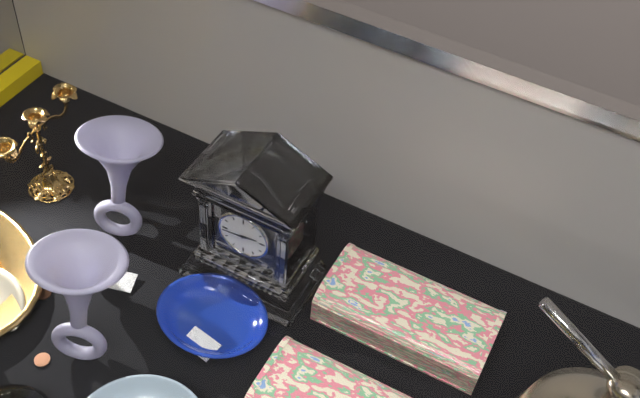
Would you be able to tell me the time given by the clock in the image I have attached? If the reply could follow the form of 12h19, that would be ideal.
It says 2h44
